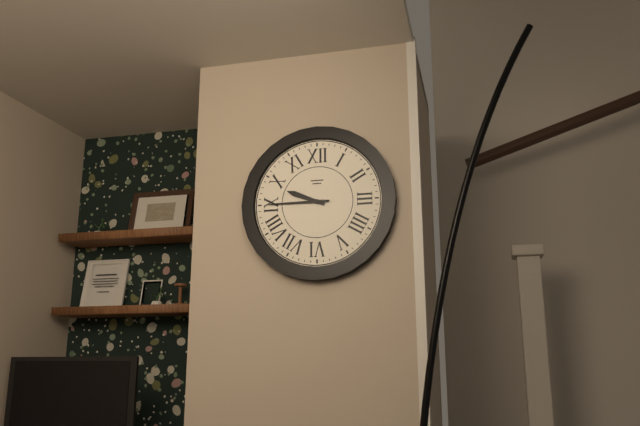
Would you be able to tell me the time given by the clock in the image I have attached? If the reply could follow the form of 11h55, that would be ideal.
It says 9h45
